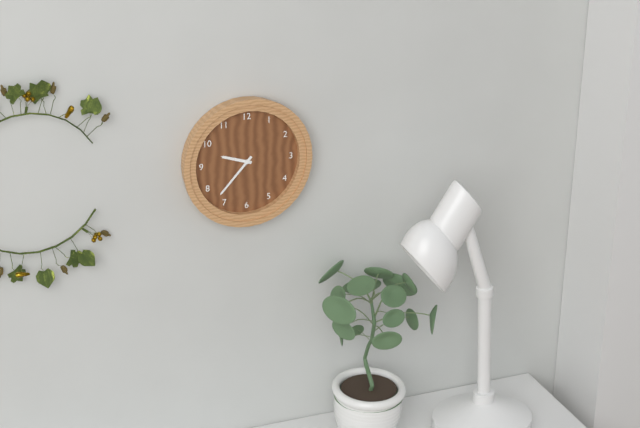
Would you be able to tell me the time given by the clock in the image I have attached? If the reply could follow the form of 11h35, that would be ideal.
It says 9h37
